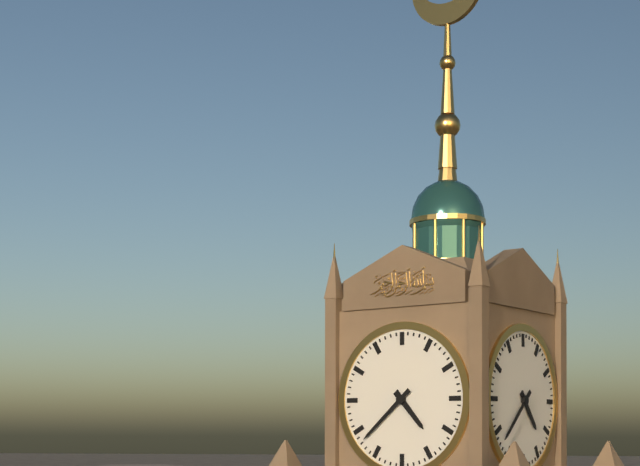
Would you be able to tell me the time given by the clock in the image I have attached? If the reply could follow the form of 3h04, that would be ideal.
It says 4h38
